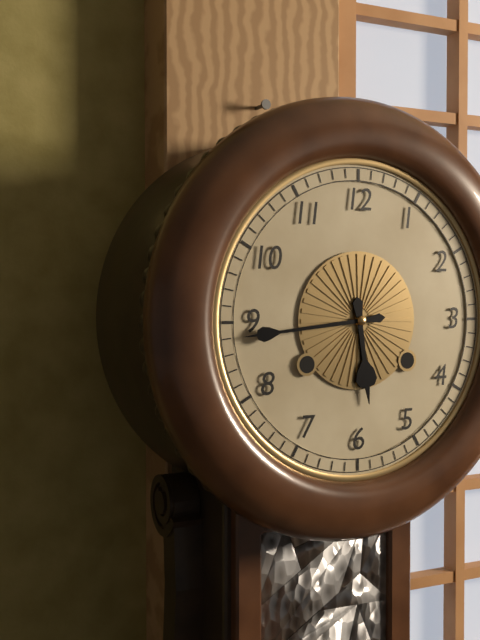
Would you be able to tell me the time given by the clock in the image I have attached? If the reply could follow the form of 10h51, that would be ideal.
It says 5h44
